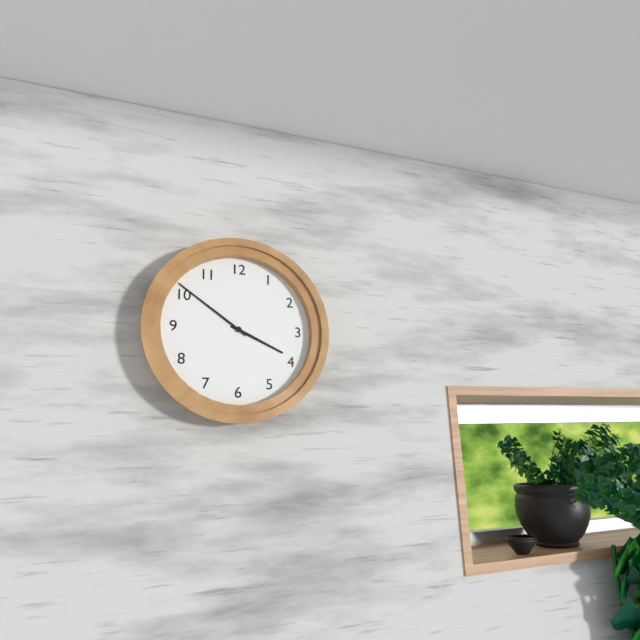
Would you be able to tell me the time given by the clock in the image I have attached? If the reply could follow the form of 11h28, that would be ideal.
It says 3h51
